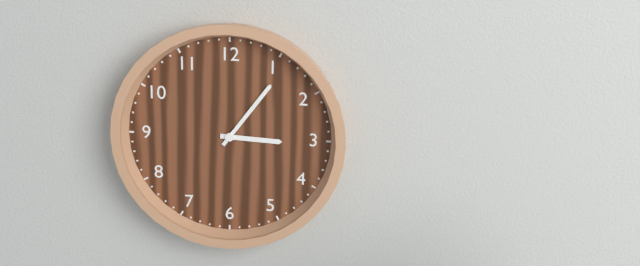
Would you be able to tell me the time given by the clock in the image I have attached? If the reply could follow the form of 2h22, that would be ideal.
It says 3h06
